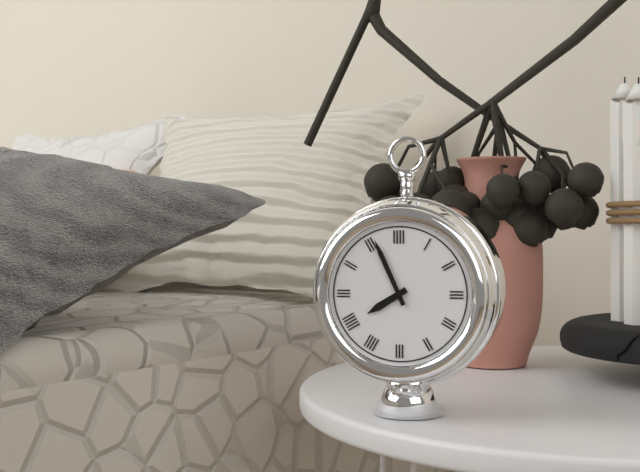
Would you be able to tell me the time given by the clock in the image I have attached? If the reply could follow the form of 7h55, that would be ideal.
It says 7h56
